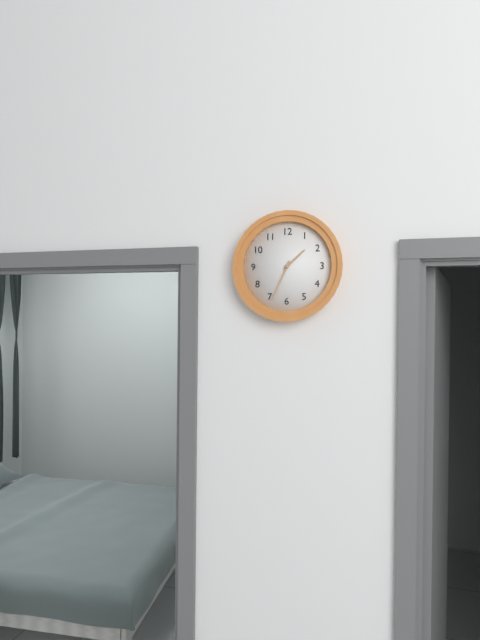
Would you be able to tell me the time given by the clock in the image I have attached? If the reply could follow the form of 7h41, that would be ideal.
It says 1h34
